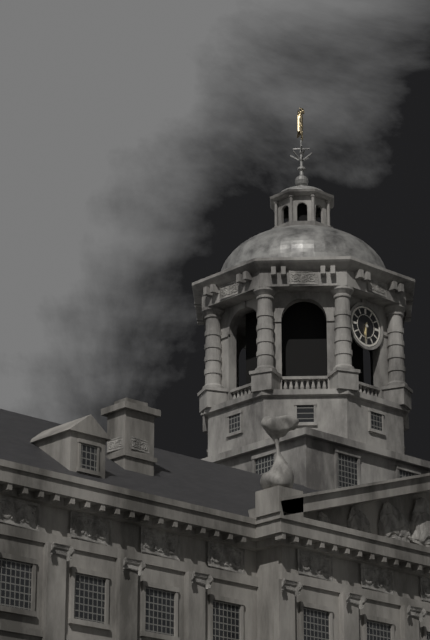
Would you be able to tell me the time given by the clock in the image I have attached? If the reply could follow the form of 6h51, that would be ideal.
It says 6h31
